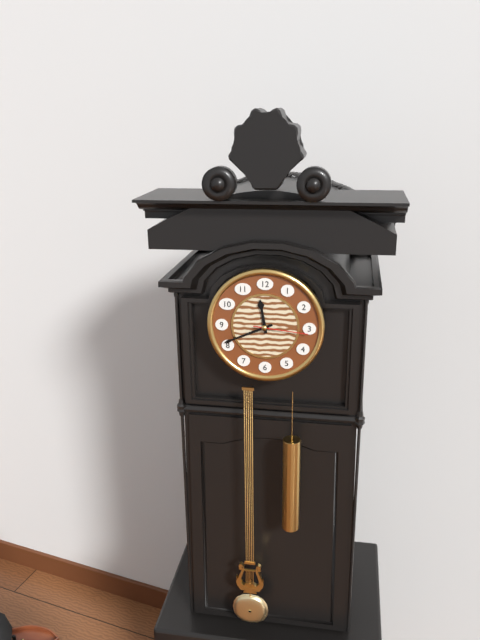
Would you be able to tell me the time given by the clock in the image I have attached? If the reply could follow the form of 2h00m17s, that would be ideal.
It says 11h41m16s
